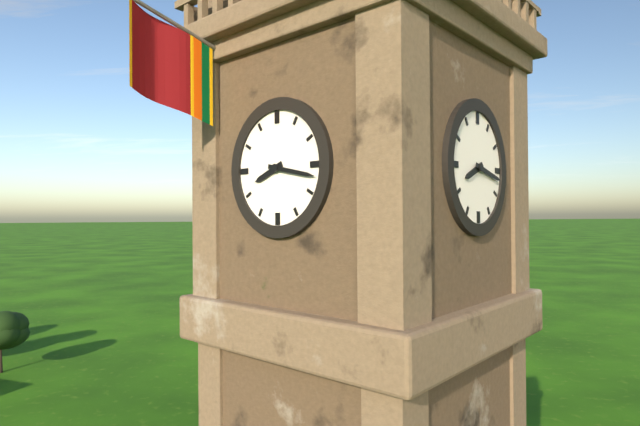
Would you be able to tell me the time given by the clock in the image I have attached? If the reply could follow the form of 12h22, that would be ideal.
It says 8h17
